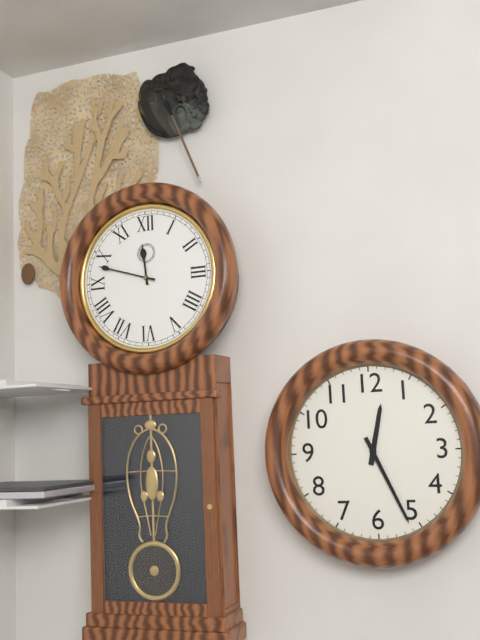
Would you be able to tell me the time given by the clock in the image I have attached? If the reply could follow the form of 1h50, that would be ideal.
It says 11h48
